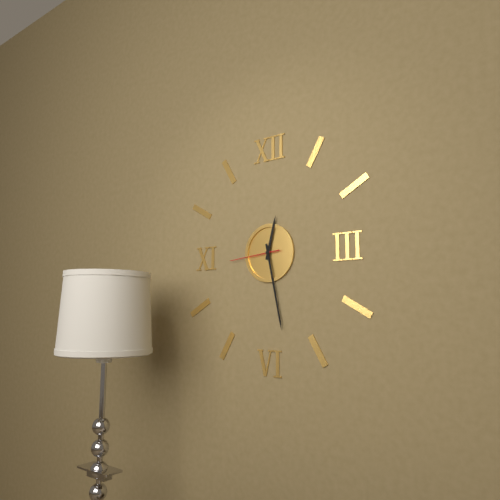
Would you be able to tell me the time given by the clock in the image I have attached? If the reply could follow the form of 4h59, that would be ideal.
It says 12h28
